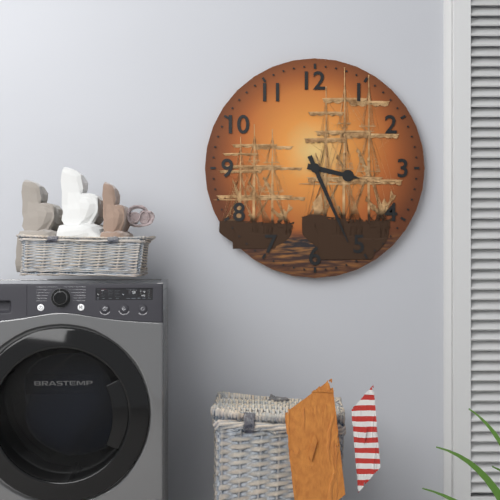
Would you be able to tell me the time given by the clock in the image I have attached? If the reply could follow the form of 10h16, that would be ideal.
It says 3h26
